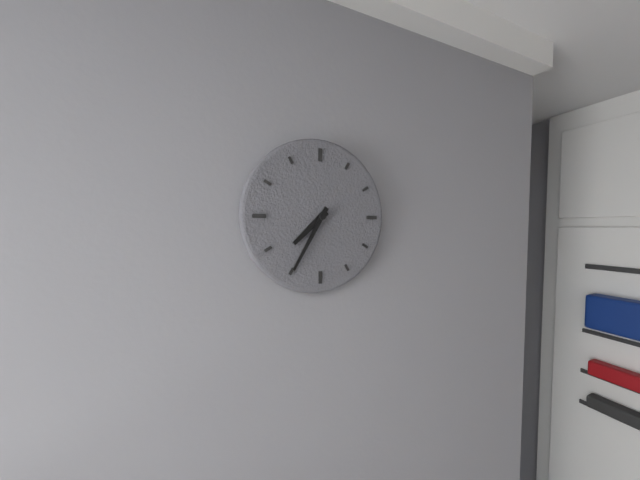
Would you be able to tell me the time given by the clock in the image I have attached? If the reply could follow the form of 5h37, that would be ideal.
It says 7h35
